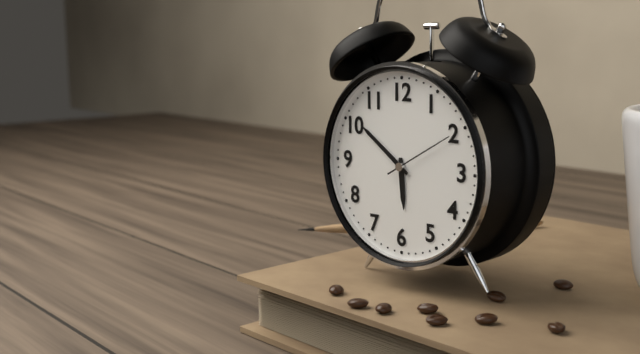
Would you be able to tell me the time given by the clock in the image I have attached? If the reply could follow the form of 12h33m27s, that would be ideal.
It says 5h51m10s
